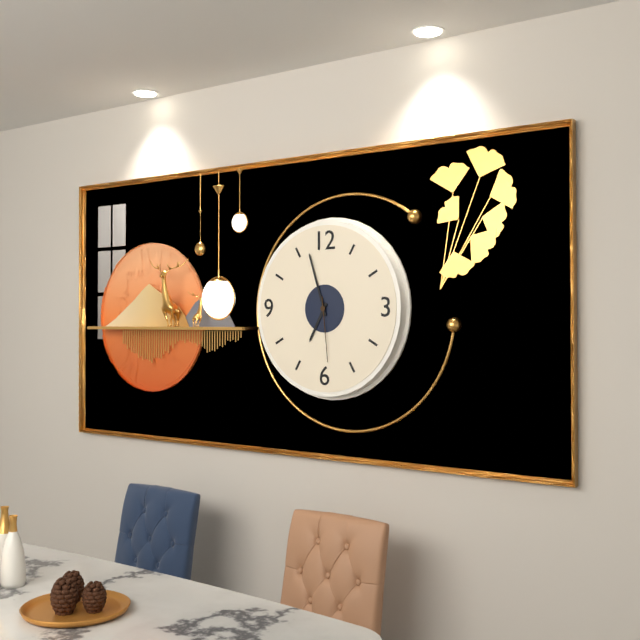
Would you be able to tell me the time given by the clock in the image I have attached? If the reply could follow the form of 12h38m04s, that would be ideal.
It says 6h57m29s
